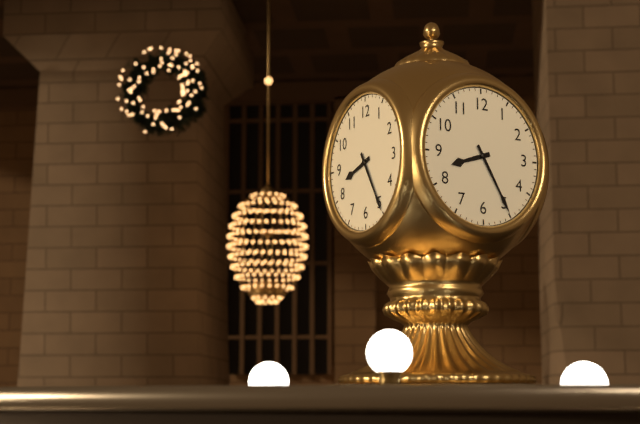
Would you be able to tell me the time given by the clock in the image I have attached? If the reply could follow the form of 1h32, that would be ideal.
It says 8h25
